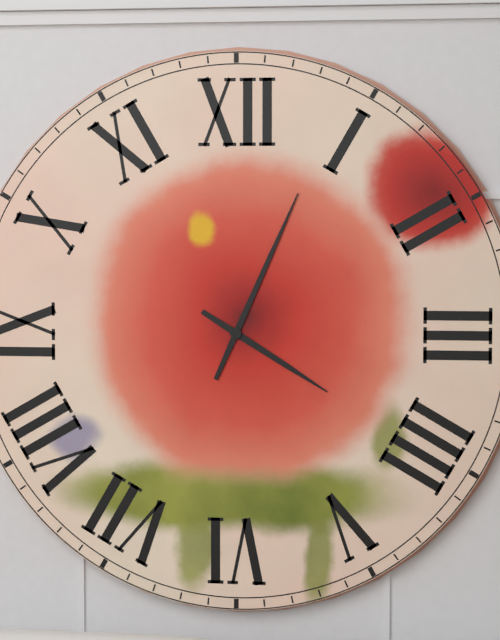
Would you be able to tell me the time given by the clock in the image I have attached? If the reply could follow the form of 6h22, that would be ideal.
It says 4h04
